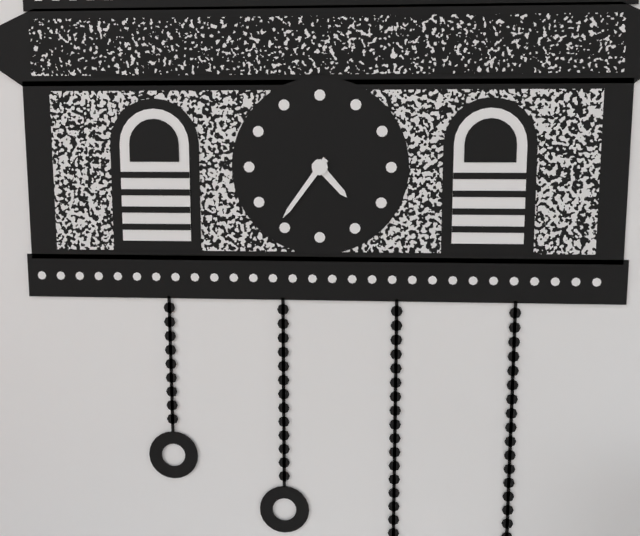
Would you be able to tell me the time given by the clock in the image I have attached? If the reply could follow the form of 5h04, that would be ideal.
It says 4h36
